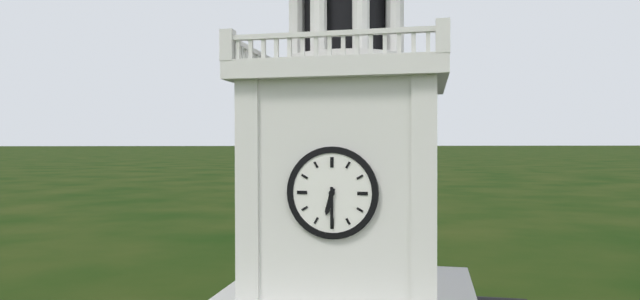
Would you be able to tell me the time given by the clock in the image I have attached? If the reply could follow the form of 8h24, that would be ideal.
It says 6h30
